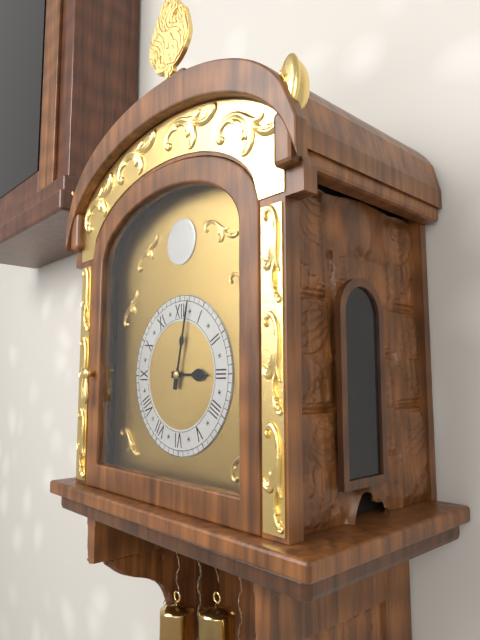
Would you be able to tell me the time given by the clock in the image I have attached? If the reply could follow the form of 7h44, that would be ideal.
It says 3h02
